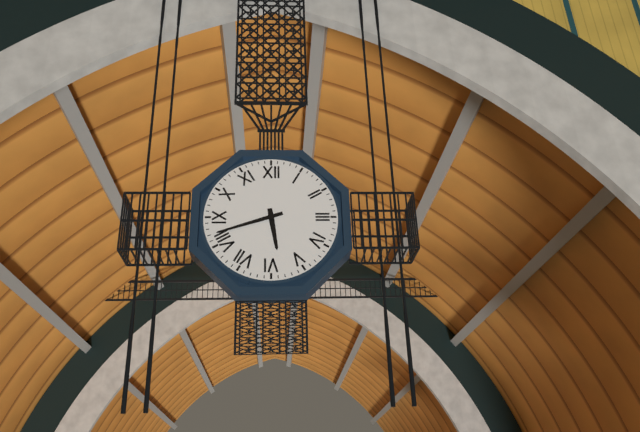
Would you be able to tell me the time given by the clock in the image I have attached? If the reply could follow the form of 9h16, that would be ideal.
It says 5h42
